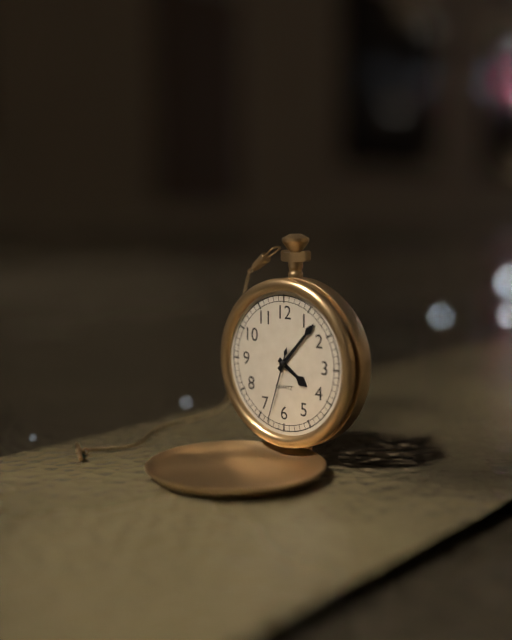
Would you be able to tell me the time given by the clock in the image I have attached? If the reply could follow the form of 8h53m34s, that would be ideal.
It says 4h07m33s
